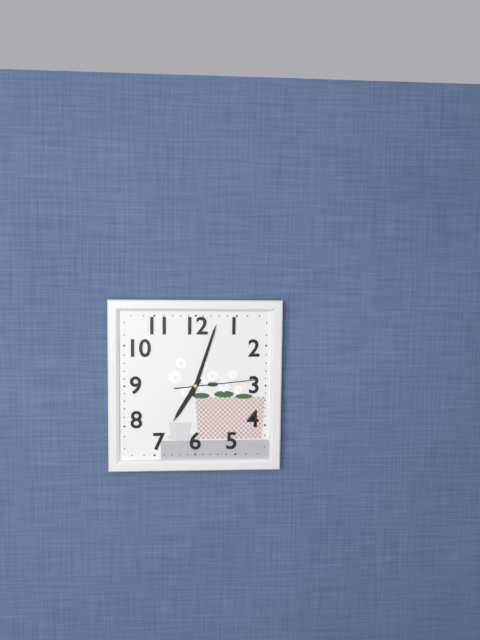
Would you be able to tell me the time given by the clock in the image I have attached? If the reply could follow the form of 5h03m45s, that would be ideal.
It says 7h03m14s
